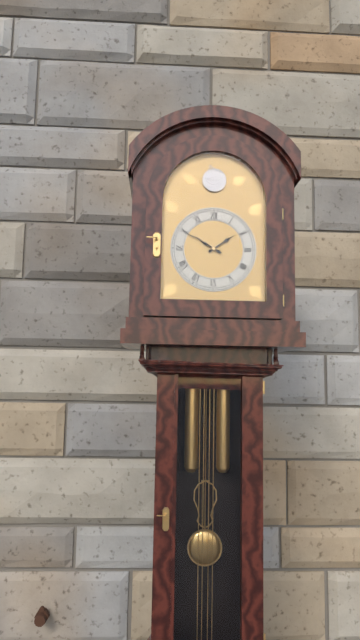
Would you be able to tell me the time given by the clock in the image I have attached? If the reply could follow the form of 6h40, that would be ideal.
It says 1h50
